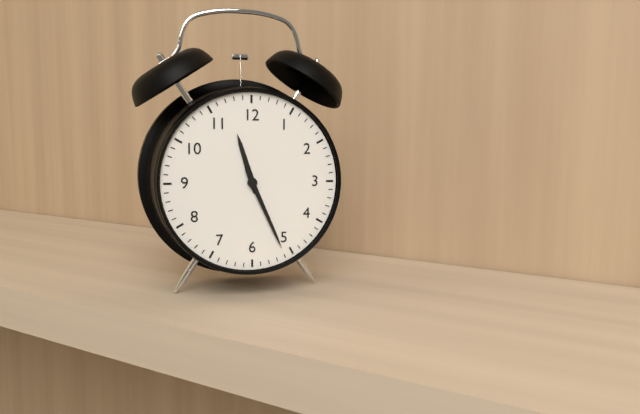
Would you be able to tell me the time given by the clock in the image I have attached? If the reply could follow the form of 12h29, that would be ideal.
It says 11h26
